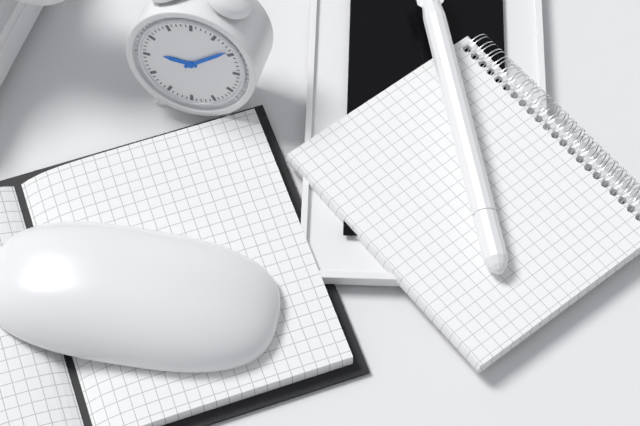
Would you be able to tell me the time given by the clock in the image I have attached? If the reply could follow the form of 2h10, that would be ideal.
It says 9h09
